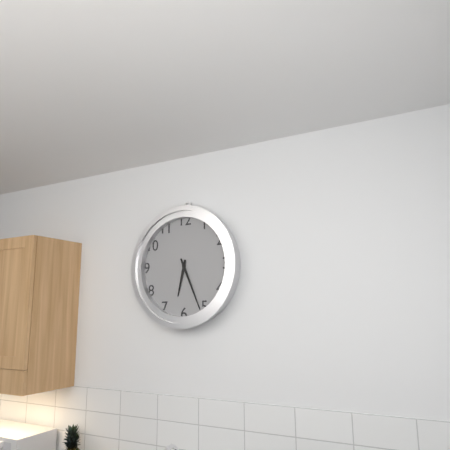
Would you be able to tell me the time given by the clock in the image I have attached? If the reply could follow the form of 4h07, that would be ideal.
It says 6h26
